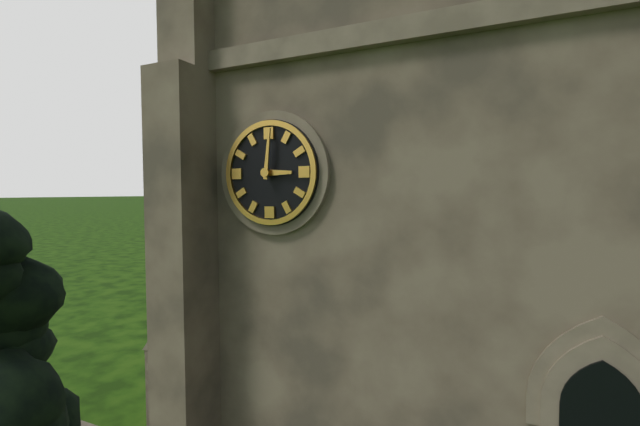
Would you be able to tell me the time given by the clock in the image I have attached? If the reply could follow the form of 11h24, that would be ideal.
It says 3h01
